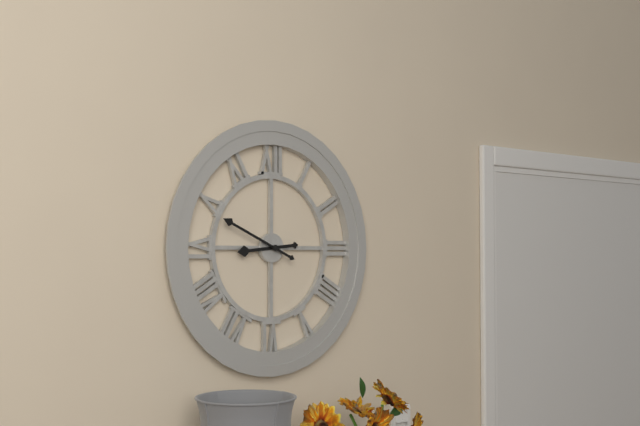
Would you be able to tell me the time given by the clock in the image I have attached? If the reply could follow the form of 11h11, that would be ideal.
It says 8h49
